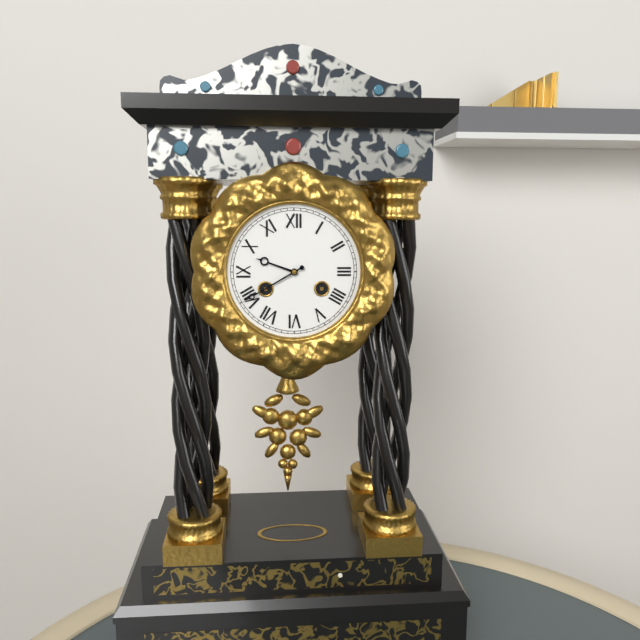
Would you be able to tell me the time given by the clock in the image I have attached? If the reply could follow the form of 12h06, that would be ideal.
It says 9h40
